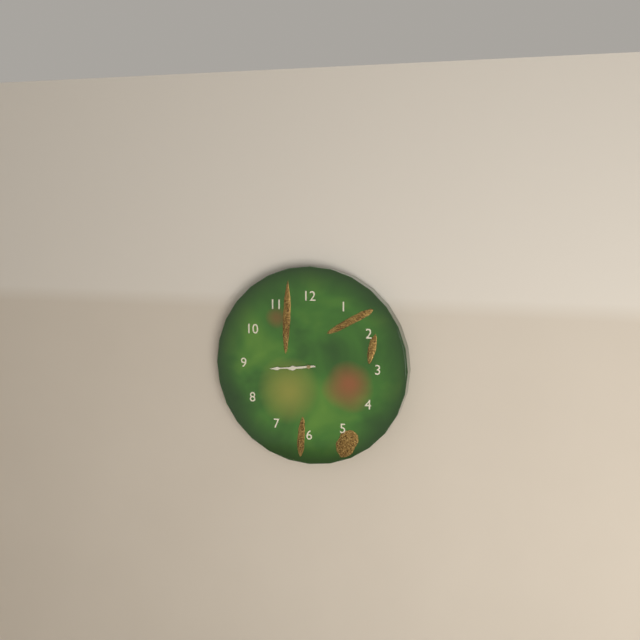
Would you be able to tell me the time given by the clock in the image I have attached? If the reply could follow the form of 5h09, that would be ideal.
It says 8h44
